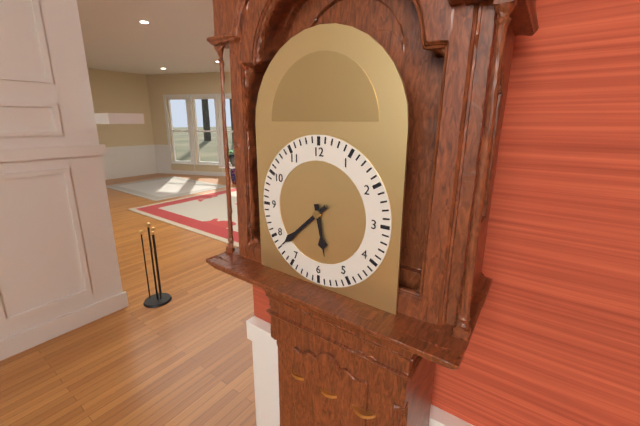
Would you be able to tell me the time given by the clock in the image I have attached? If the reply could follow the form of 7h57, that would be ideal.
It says 5h38
